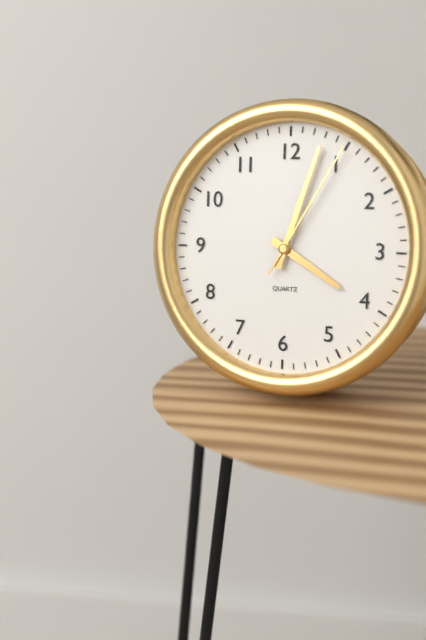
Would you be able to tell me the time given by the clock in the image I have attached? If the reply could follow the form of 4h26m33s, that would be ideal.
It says 4h03m05s
